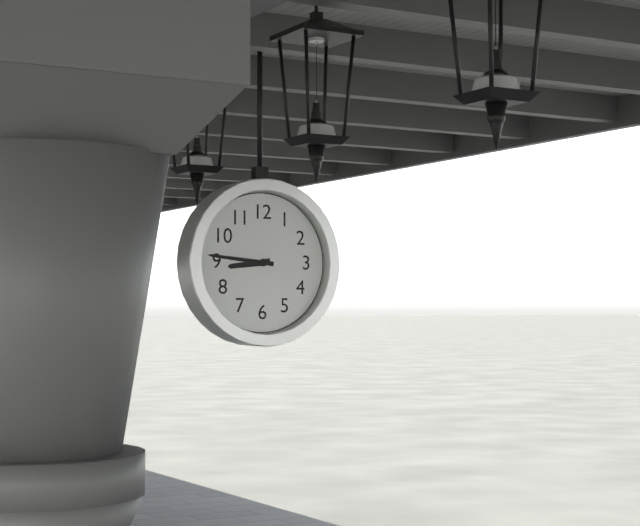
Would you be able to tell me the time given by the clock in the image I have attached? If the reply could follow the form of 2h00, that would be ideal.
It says 8h46
